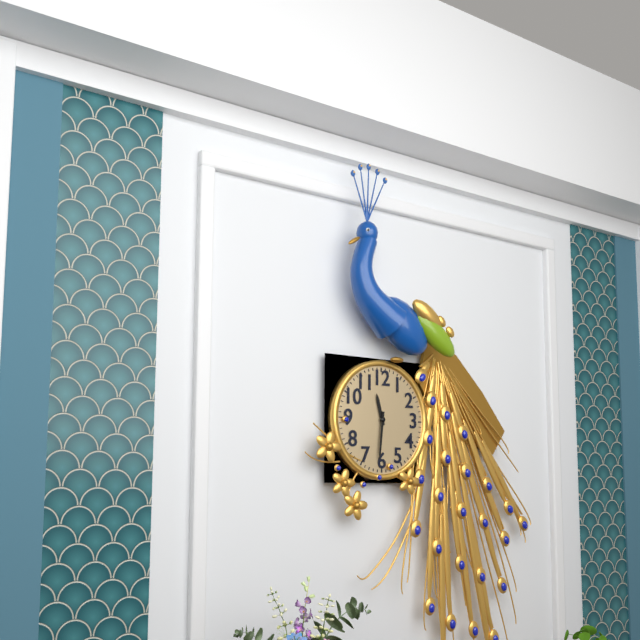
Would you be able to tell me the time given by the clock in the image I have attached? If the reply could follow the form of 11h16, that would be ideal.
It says 11h31
